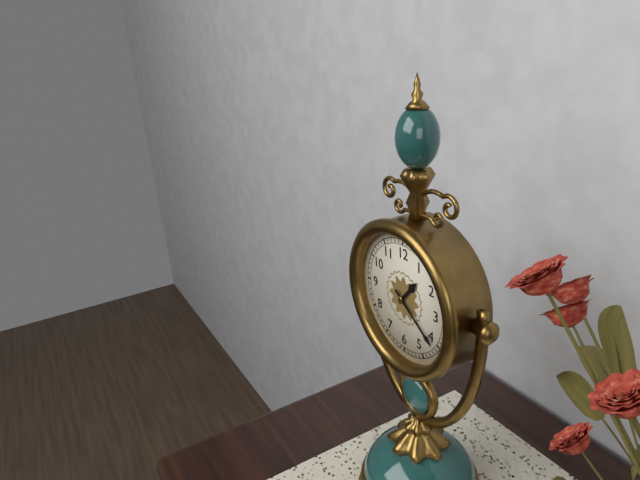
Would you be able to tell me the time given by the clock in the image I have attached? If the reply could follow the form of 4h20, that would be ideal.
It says 1h21
